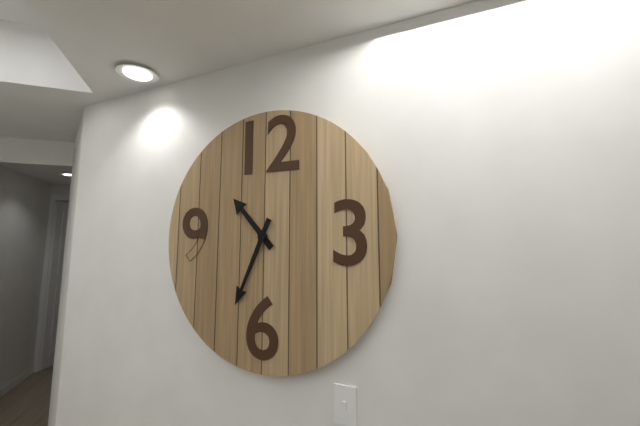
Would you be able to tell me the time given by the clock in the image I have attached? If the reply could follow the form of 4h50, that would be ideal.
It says 10h34
